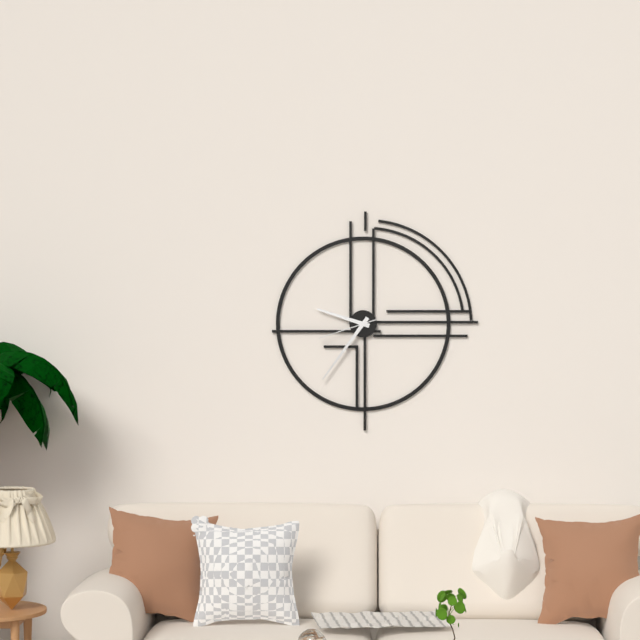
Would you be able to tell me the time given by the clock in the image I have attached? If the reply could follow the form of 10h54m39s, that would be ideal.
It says 9h36m42s
